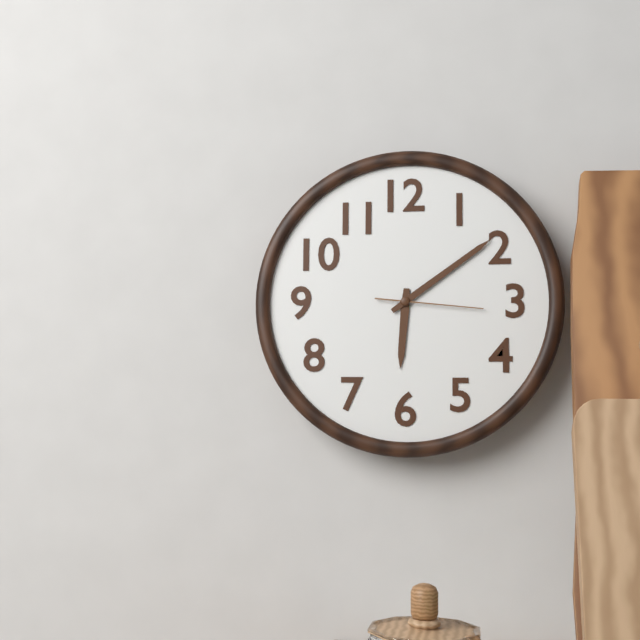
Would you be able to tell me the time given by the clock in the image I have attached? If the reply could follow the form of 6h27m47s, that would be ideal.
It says 6h09m16s
